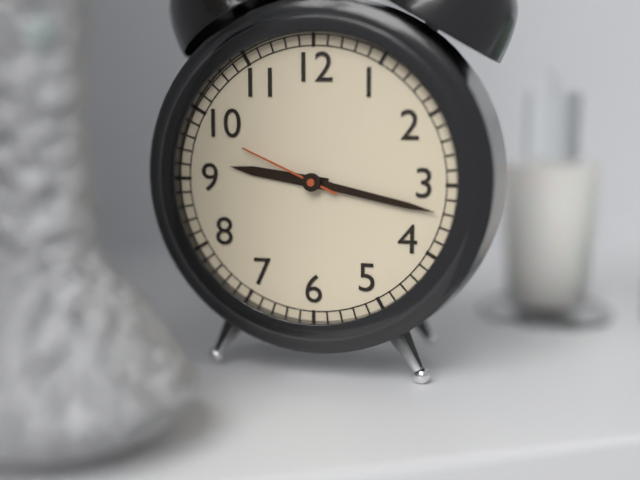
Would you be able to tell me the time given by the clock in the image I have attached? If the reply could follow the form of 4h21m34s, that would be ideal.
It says 9h17m49s
